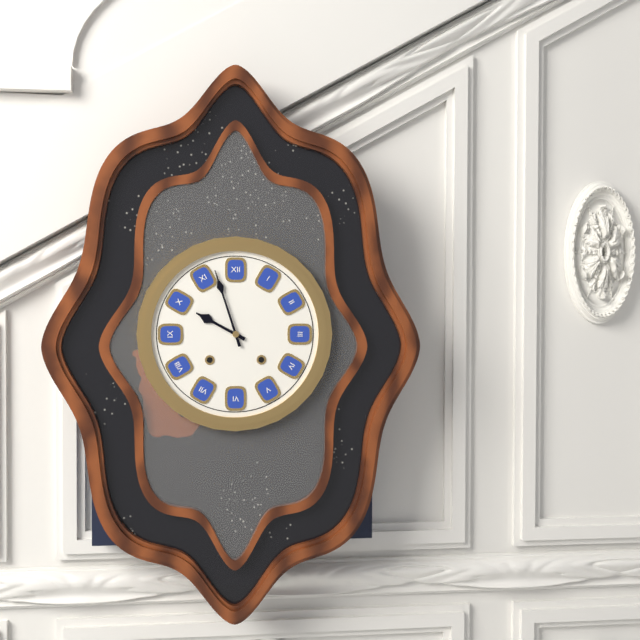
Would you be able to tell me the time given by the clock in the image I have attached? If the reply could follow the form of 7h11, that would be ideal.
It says 9h57
